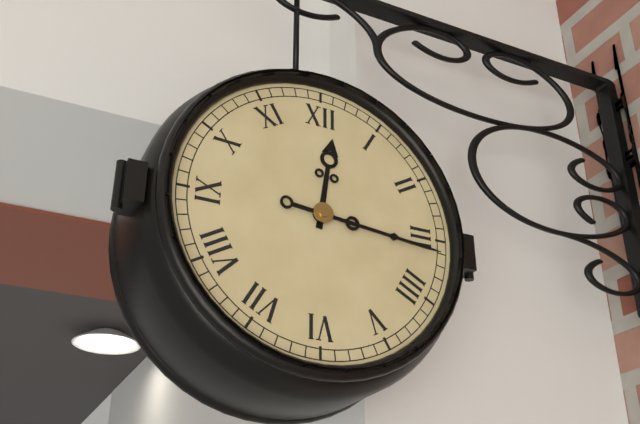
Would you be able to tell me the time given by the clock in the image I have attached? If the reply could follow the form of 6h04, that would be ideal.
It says 12h16
